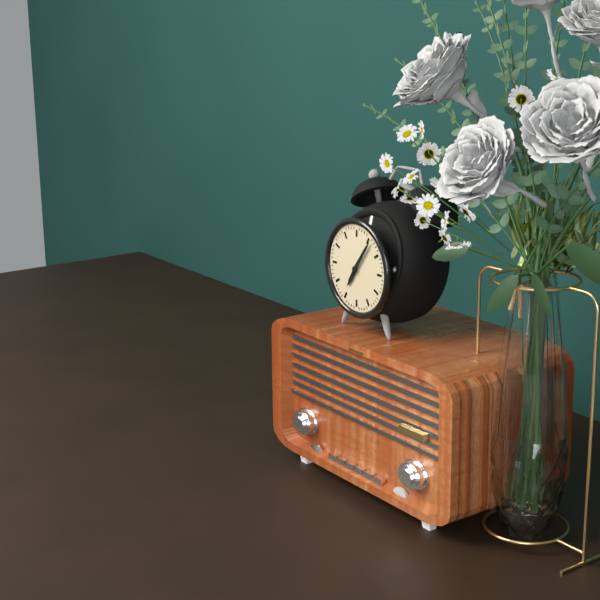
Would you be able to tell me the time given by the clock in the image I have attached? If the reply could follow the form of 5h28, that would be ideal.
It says 7h06
